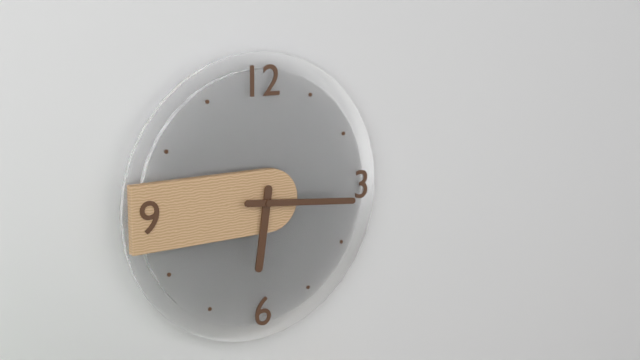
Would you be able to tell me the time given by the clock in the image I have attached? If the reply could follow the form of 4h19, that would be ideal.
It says 6h16
